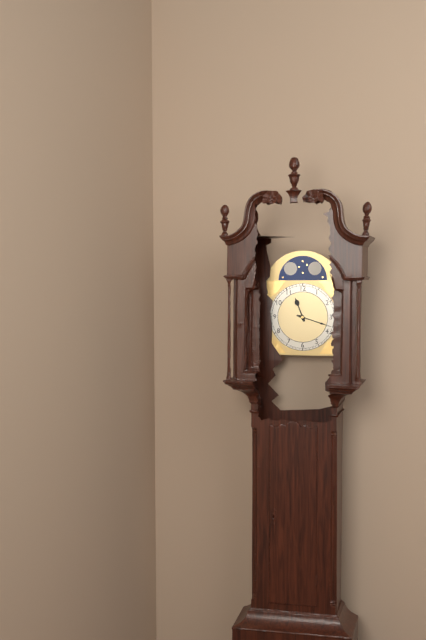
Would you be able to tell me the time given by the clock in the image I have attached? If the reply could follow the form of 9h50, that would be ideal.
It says 11h18
